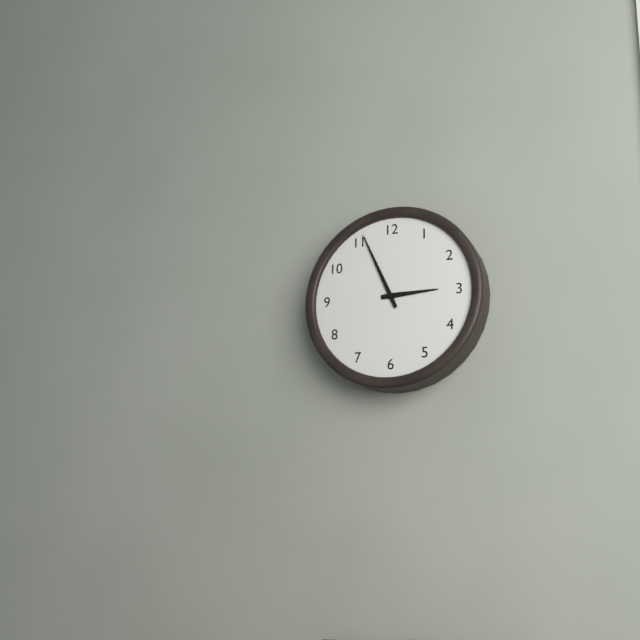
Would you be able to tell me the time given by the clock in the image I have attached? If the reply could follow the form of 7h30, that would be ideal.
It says 2h56
